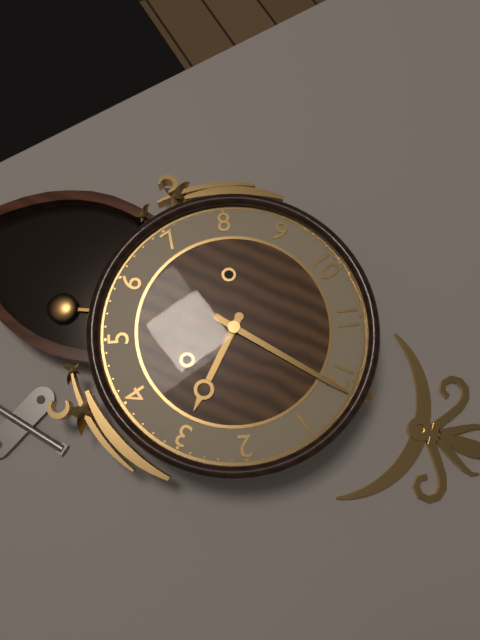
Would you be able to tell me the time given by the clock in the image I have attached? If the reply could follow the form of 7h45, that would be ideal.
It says 3h01
